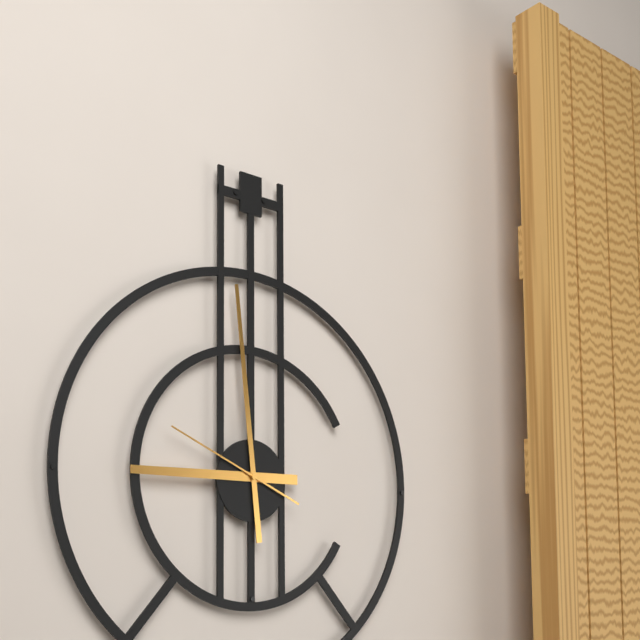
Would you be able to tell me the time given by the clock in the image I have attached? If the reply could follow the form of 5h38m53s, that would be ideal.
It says 8h59m49s
